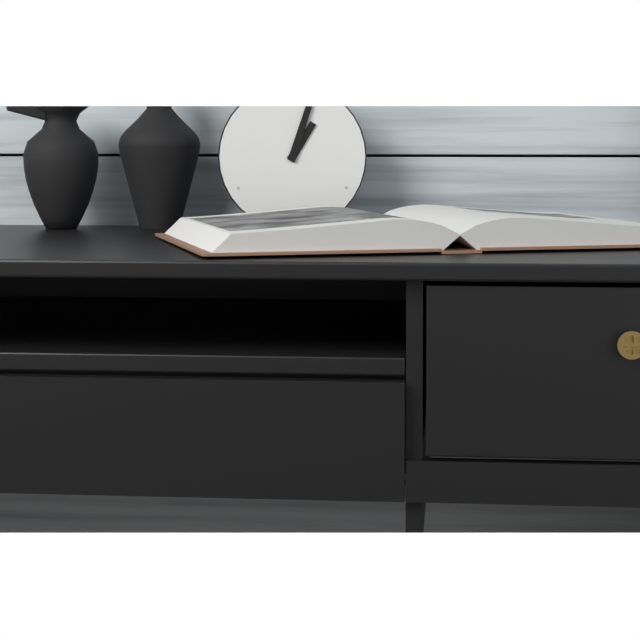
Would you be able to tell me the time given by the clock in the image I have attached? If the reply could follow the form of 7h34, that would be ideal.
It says 1h03
